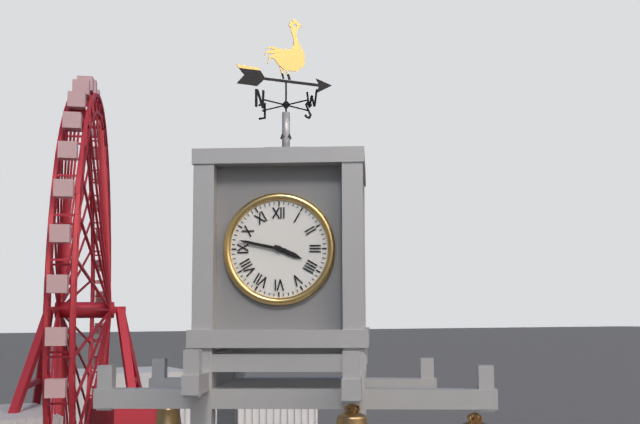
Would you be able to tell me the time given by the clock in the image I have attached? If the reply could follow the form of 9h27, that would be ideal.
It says 3h47
